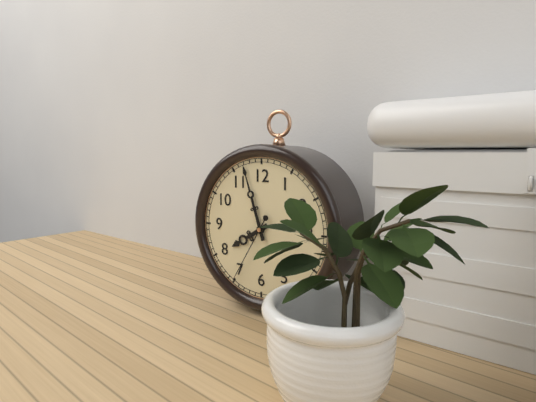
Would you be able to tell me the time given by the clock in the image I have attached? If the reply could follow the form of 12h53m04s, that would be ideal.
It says 7h57m35s
